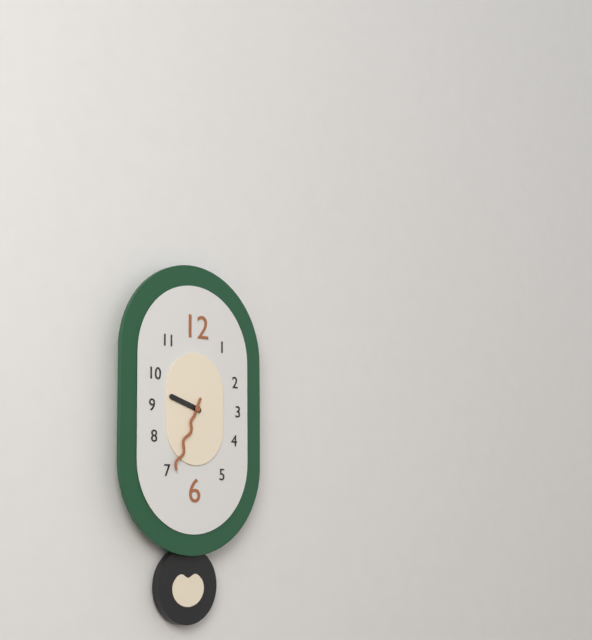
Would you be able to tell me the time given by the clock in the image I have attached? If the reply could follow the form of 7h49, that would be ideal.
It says 9h34
